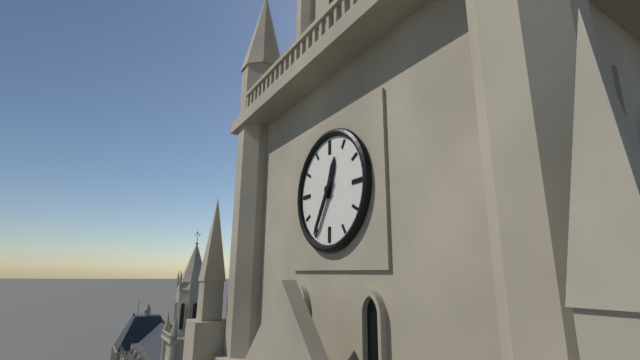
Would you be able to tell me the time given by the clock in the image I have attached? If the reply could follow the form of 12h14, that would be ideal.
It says 12h35
